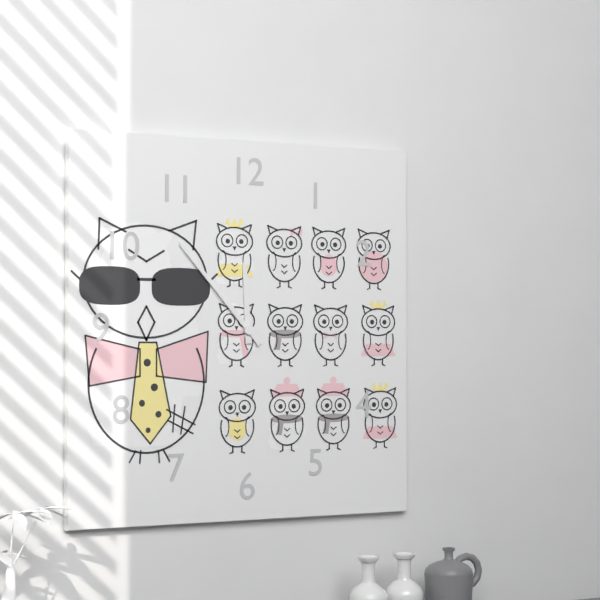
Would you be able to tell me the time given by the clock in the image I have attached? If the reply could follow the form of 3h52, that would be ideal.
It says 11h53
